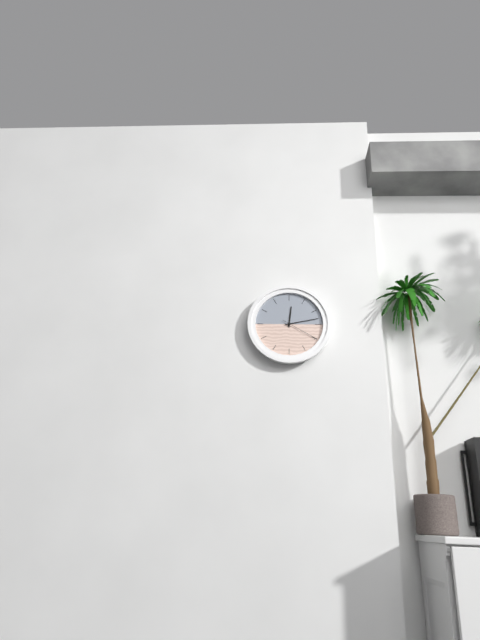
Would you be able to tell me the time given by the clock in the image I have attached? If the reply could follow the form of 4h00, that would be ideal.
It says 12h13
